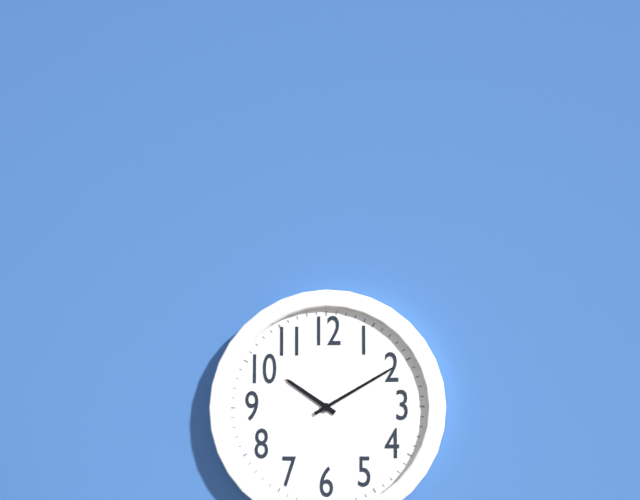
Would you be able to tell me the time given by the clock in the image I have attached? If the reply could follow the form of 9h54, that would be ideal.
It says 10h10
